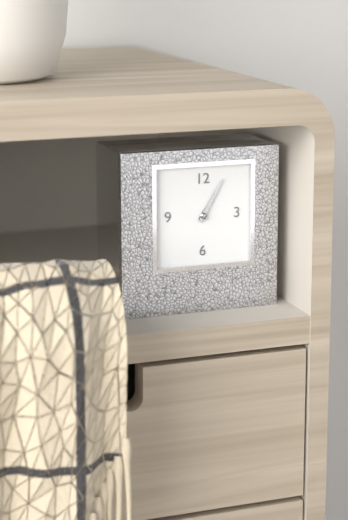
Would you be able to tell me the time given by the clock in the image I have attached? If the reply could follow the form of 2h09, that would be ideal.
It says 1h05
